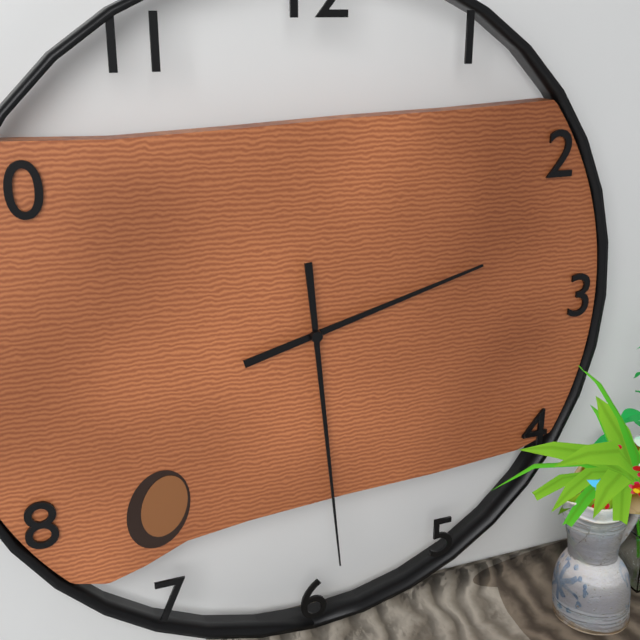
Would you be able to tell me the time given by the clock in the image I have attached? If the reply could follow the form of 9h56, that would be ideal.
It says 2h29
